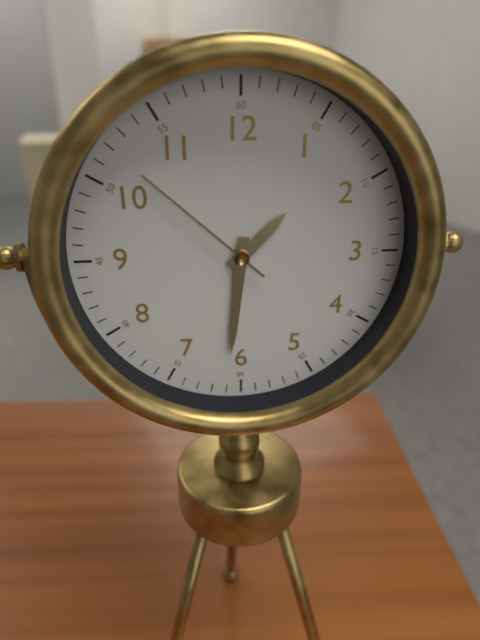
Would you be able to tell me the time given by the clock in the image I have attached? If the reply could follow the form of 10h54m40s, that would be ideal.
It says 1h31m52s
